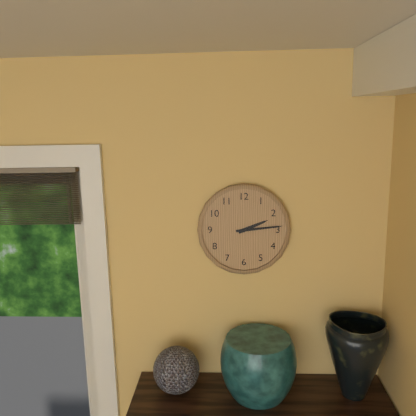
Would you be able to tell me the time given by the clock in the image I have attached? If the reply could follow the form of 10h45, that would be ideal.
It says 2h14
